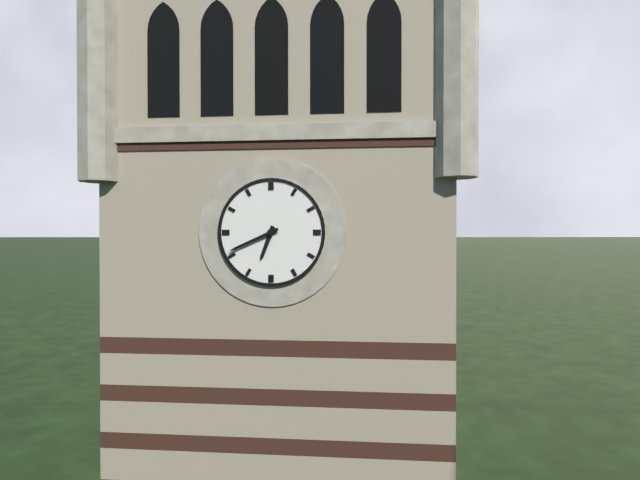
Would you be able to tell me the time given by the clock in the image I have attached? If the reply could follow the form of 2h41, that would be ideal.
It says 6h41
